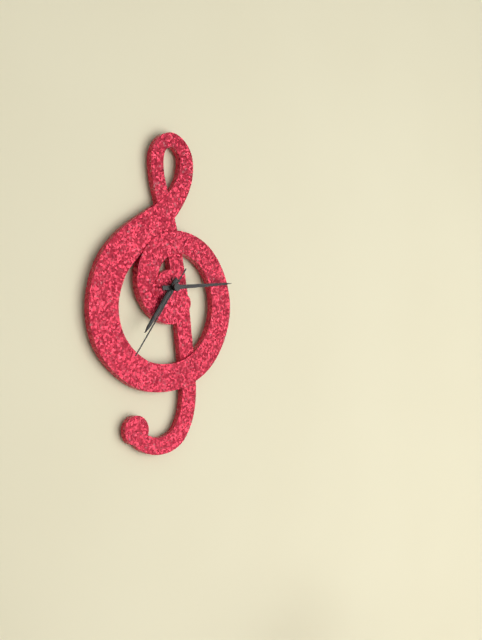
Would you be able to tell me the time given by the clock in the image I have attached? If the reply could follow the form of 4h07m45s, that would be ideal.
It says 7h14m36s
